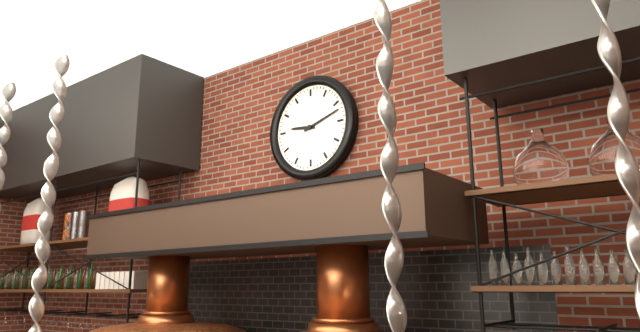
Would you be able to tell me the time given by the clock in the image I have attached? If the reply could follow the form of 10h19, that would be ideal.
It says 9h12
